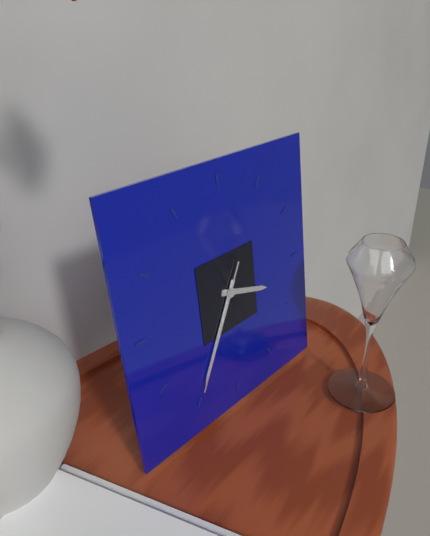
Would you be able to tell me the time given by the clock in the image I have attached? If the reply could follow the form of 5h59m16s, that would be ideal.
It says 3h35m35s
